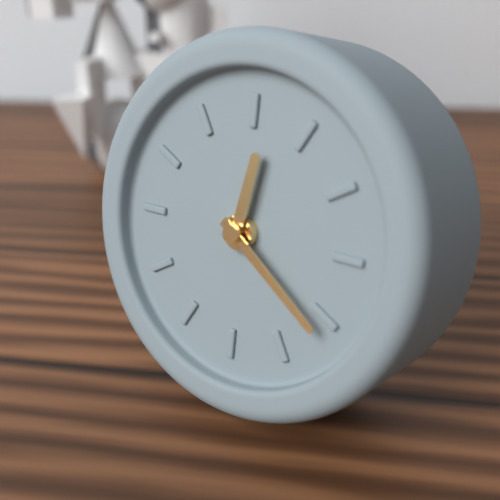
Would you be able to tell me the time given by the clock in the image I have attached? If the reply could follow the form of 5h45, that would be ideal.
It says 12h21
